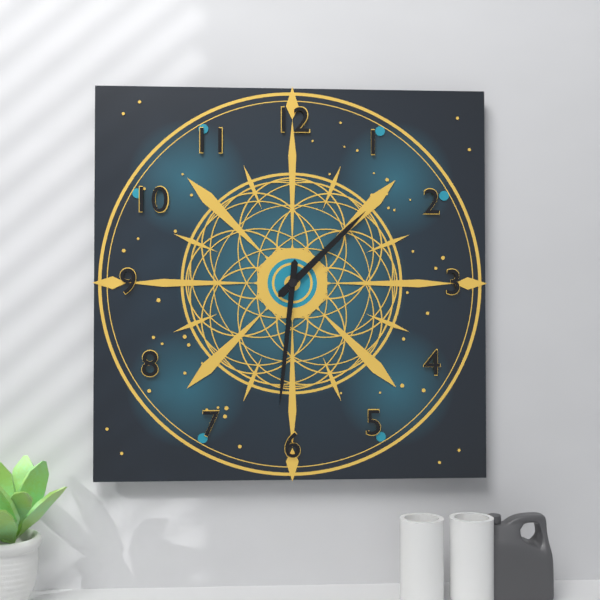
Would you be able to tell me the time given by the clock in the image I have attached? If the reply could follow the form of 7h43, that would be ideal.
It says 1h31
